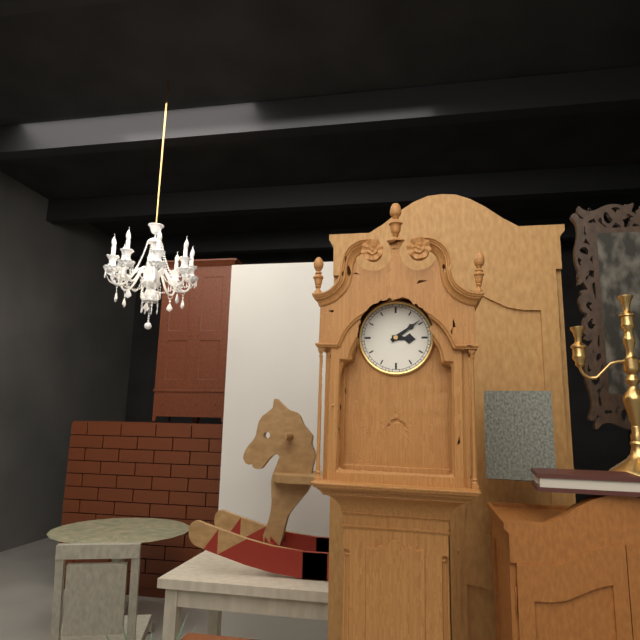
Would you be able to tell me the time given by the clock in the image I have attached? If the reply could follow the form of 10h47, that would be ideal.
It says 3h09
